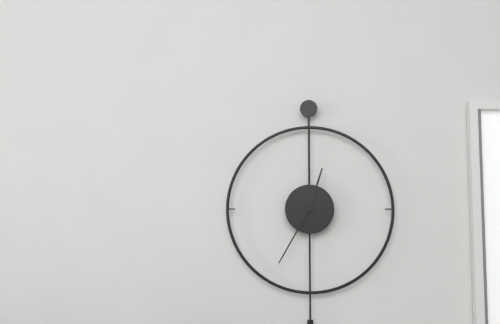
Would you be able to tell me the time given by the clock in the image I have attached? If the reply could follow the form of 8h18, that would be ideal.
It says 12h35
